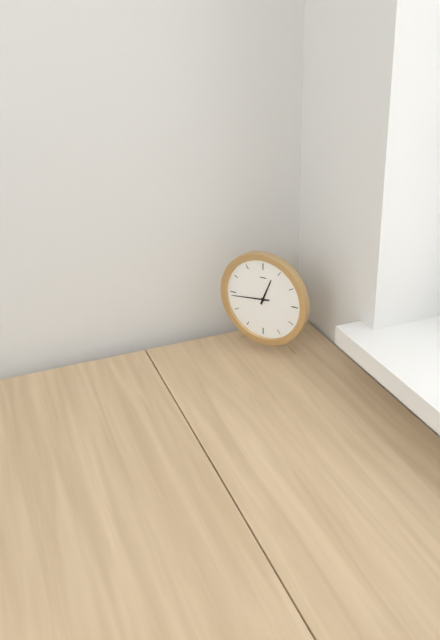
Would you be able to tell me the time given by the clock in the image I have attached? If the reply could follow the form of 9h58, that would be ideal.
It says 12h44
